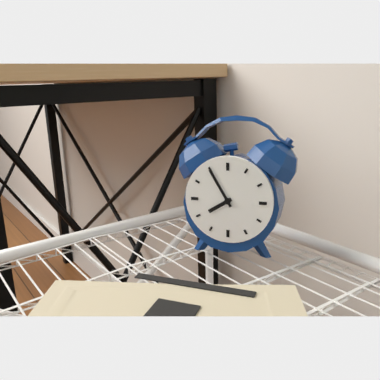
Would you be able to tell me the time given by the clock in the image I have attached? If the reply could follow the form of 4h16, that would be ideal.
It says 7h55
